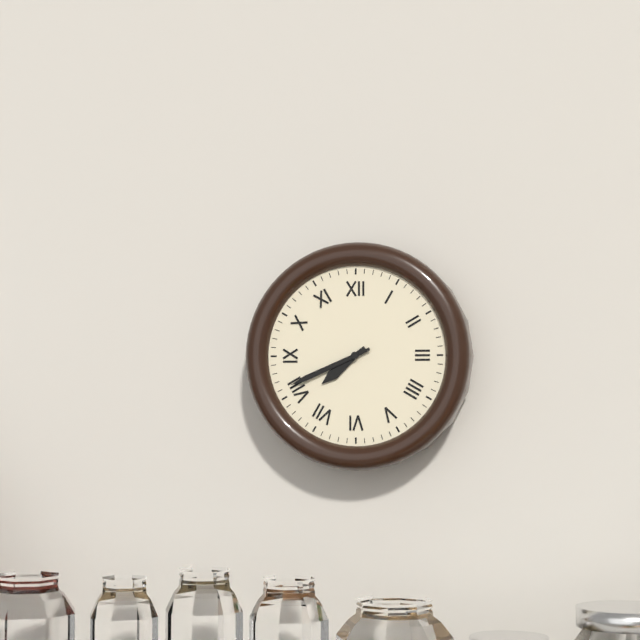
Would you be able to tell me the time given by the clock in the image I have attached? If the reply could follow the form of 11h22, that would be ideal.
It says 7h41
